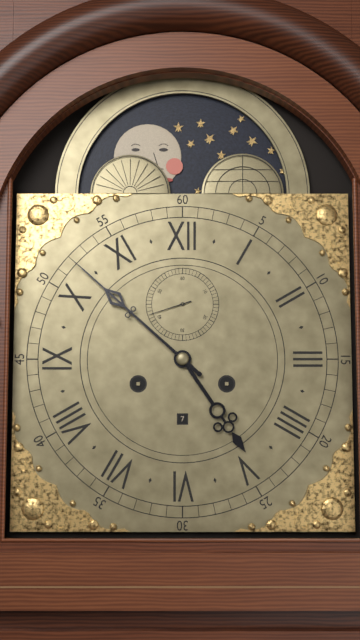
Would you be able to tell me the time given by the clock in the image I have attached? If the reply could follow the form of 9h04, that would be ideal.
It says 4h52
